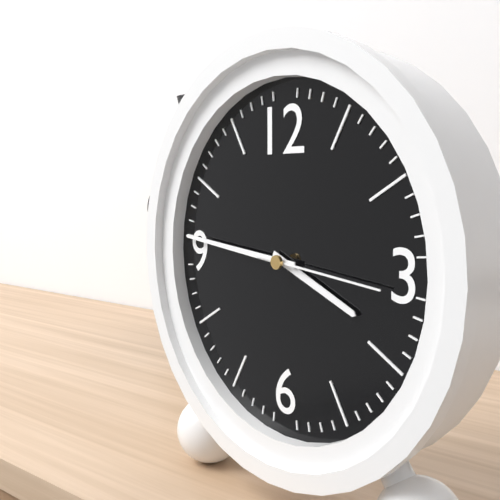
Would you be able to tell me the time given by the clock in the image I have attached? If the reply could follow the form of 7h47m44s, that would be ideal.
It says 3h46m16s
